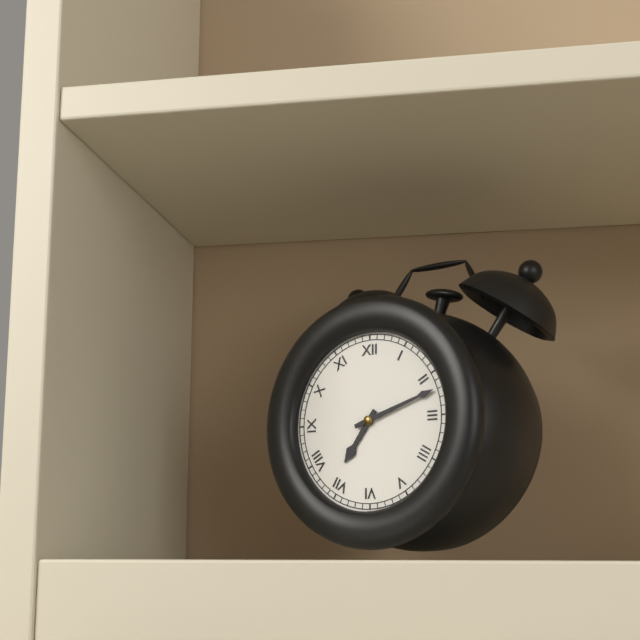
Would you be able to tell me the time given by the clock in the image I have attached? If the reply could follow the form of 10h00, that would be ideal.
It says 7h12
